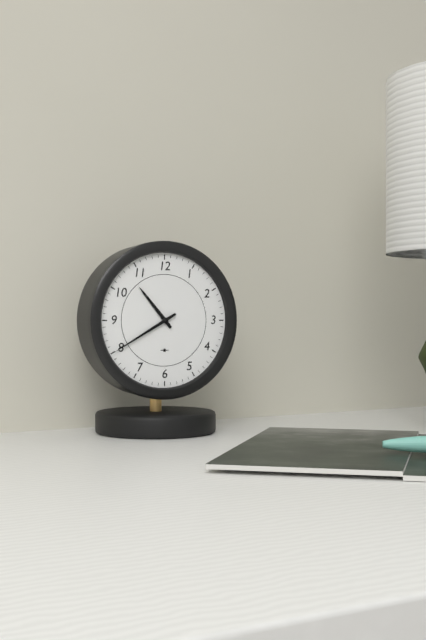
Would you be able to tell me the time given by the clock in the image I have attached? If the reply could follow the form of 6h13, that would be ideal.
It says 10h40
